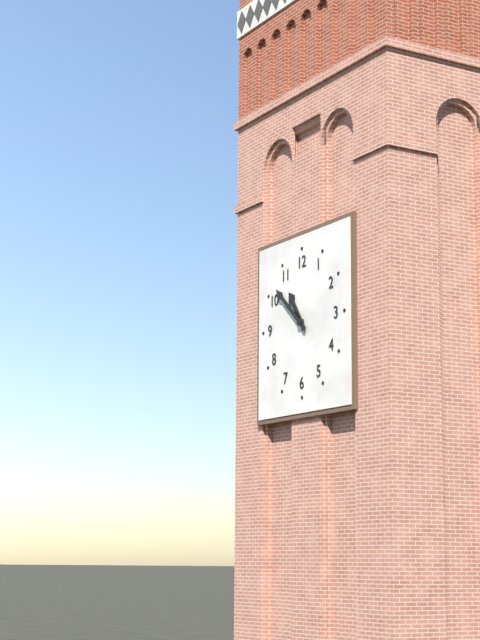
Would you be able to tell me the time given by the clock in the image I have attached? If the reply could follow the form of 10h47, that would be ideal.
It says 10h52
